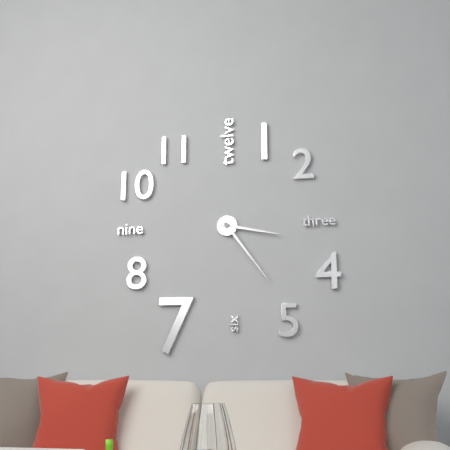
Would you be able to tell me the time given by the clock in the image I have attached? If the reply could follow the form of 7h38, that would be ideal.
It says 3h24
